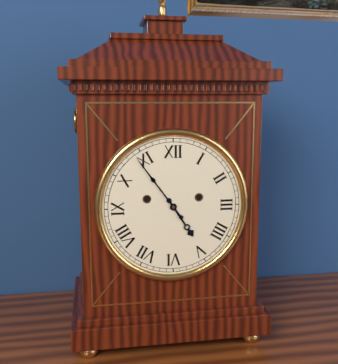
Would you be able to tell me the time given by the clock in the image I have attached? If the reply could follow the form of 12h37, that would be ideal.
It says 4h54
